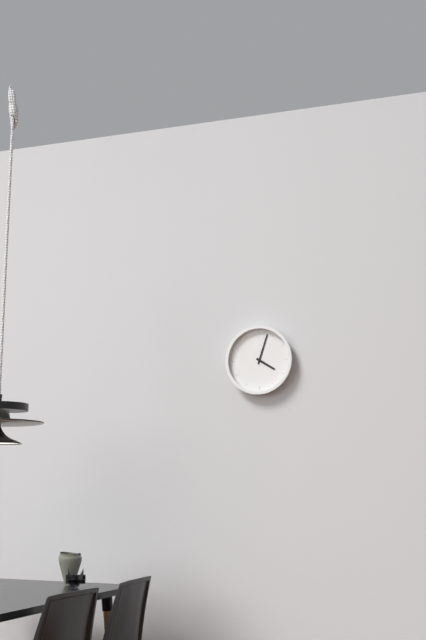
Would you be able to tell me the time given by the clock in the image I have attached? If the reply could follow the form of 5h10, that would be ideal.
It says 4h03
